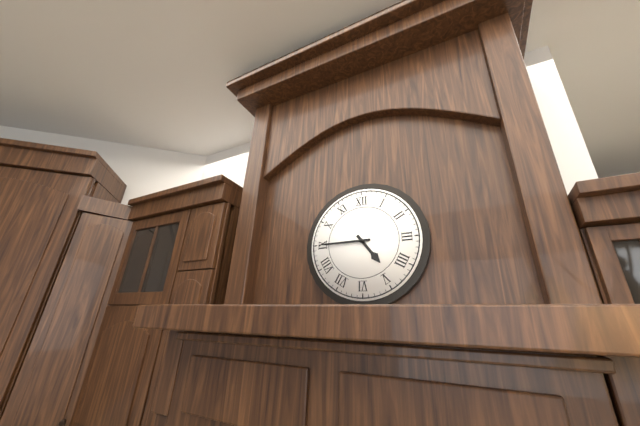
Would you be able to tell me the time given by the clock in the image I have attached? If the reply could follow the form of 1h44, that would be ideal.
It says 4h45
